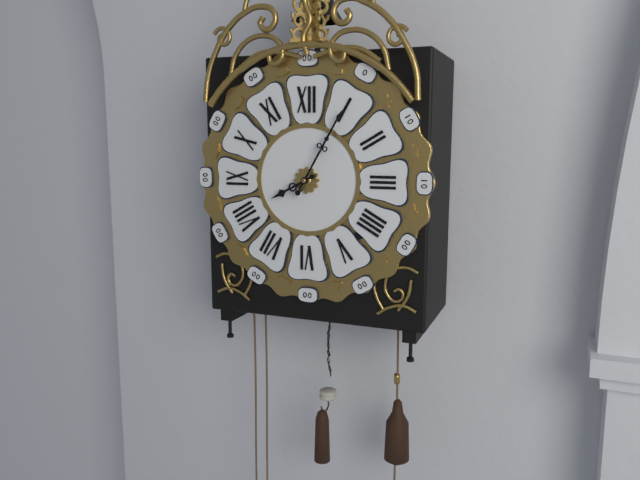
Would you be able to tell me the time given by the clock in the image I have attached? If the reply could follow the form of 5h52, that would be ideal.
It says 8h05
